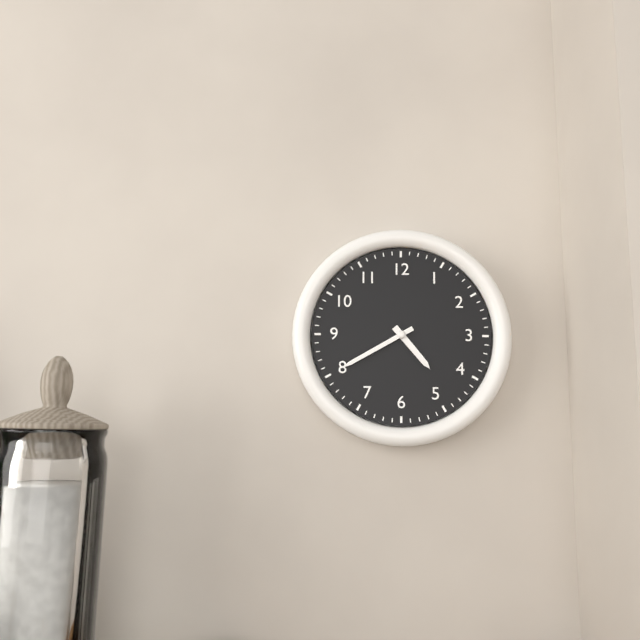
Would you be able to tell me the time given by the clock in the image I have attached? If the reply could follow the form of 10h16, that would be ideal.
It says 4h40
